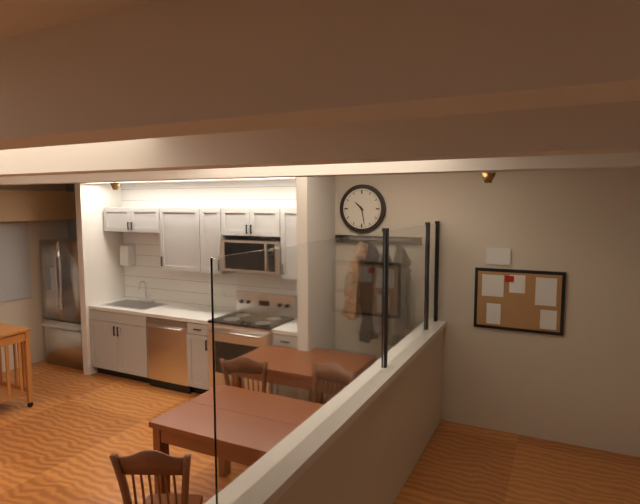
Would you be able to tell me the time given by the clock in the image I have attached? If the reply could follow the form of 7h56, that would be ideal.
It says 10h28
